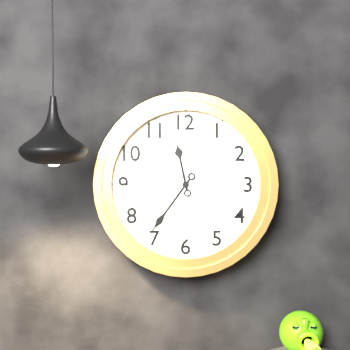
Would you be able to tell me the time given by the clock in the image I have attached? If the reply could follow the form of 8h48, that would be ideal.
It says 11h36
